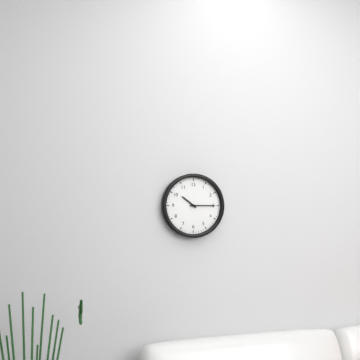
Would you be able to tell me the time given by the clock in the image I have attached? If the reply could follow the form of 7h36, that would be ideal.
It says 10h15
